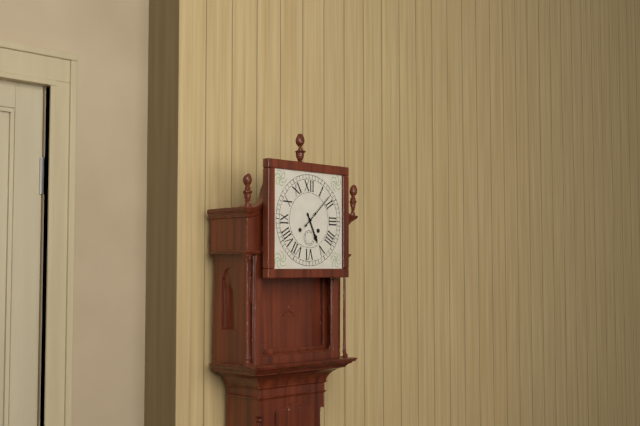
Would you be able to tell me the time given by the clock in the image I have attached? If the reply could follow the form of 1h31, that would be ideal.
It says 5h08
